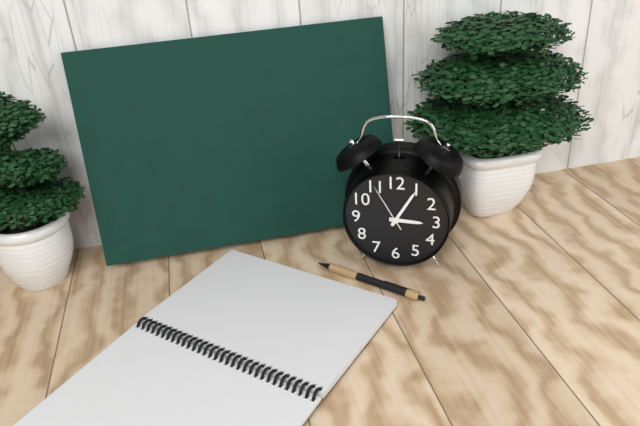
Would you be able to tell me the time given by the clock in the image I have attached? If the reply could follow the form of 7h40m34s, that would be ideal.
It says 3h05m55s
